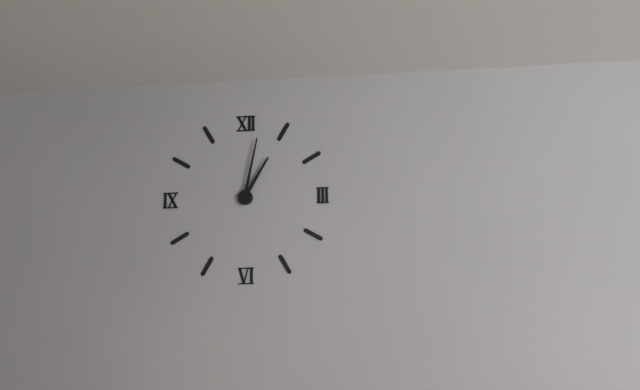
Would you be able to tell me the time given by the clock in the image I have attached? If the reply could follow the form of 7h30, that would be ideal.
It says 1h02
